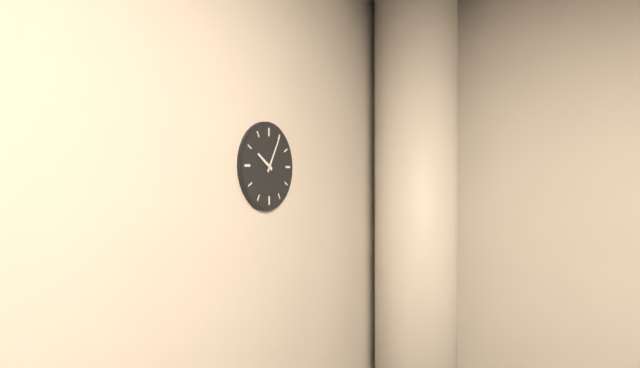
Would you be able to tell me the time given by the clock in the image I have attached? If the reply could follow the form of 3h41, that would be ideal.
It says 10h05
